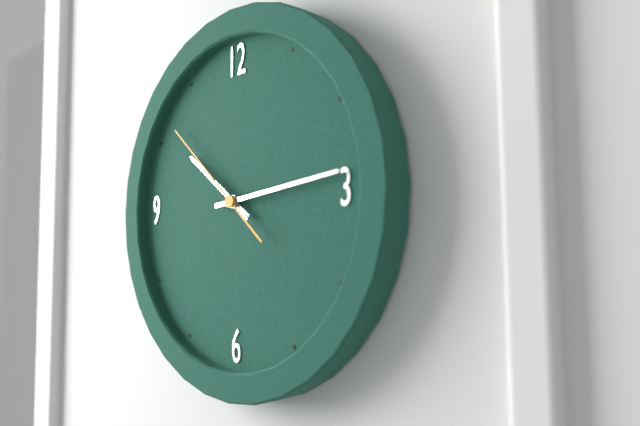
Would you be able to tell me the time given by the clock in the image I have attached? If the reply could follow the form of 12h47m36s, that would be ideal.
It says 10h14m52s
